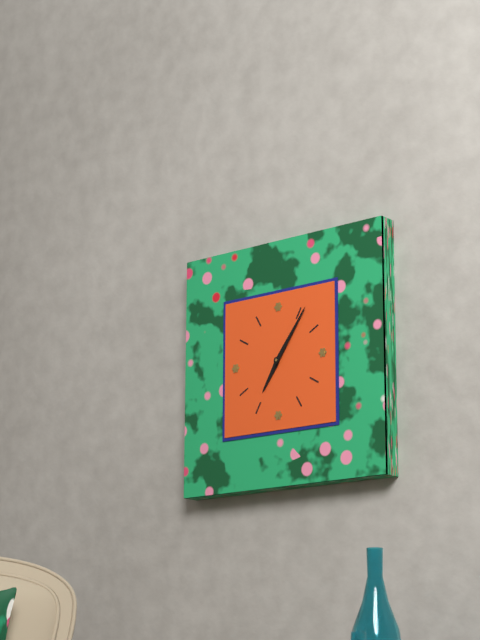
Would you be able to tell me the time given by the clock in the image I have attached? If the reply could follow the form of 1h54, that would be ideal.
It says 7h06
